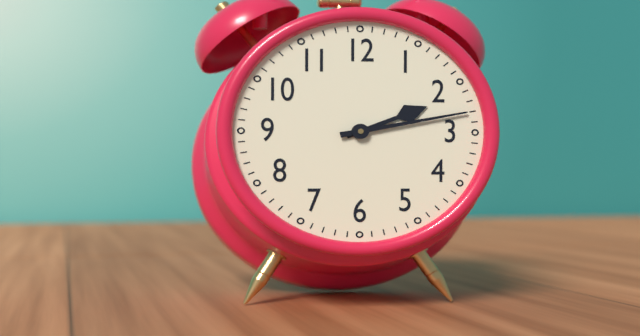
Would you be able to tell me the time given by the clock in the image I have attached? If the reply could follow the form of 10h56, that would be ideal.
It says 2h13
